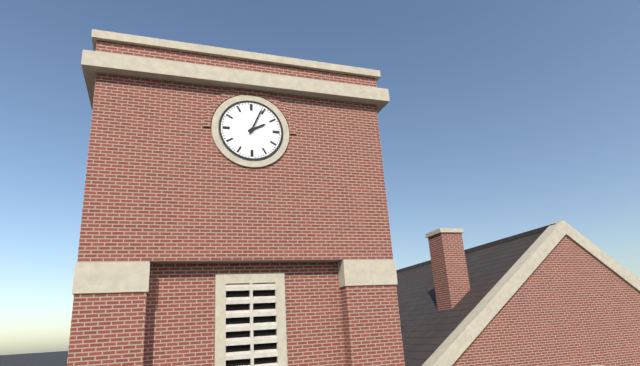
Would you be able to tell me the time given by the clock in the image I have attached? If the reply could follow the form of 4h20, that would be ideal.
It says 2h04
